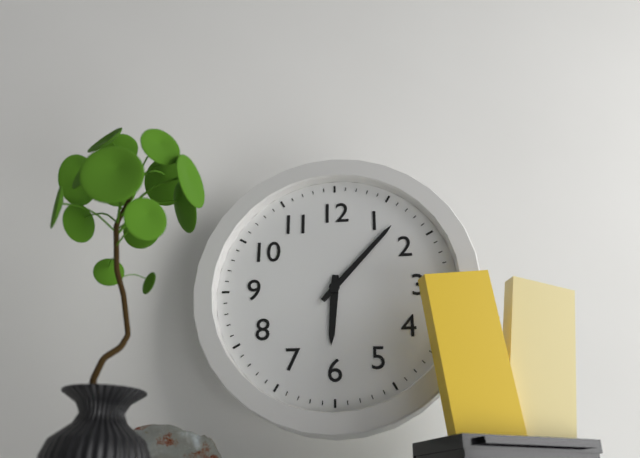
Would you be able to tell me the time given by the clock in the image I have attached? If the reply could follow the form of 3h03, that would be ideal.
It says 6h07
